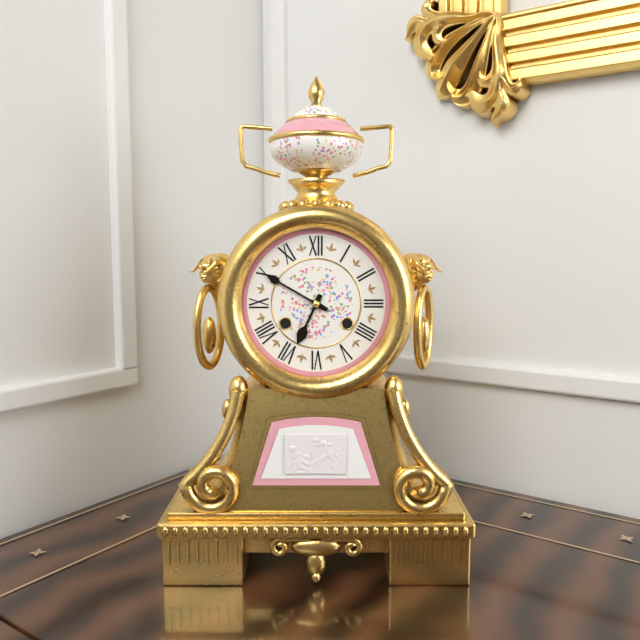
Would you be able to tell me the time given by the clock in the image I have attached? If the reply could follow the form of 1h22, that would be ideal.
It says 6h50
